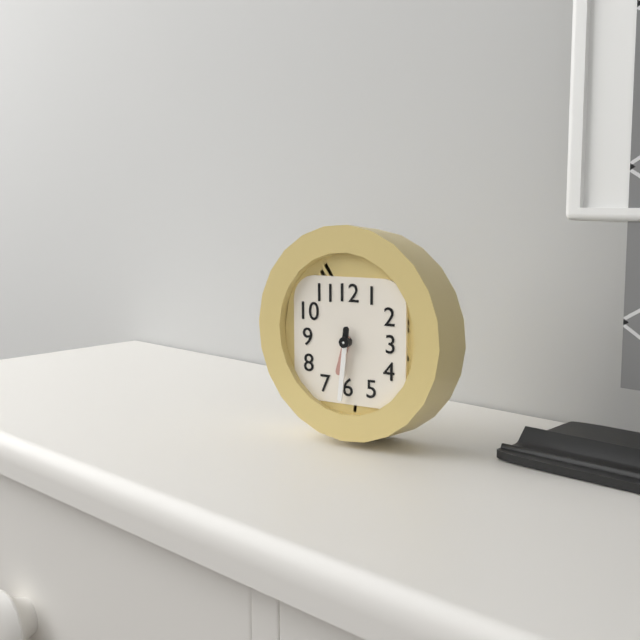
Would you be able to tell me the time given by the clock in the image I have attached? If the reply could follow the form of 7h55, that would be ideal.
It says 6h31
